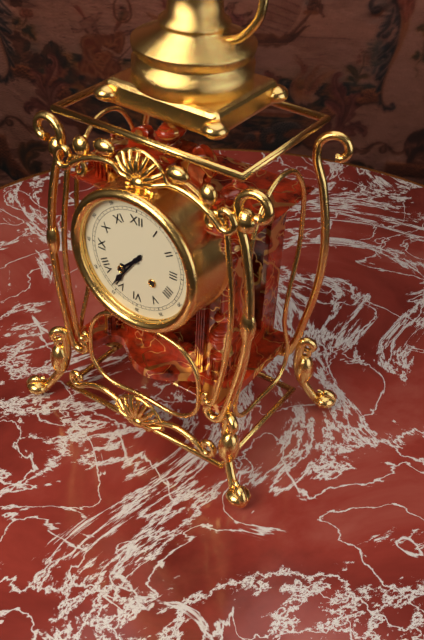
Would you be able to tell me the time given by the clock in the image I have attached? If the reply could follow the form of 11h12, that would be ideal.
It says 7h36
